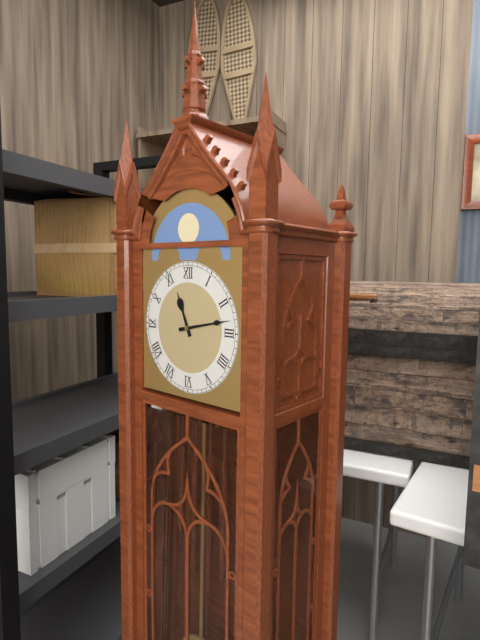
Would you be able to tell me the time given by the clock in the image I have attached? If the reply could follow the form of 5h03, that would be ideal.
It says 11h13
